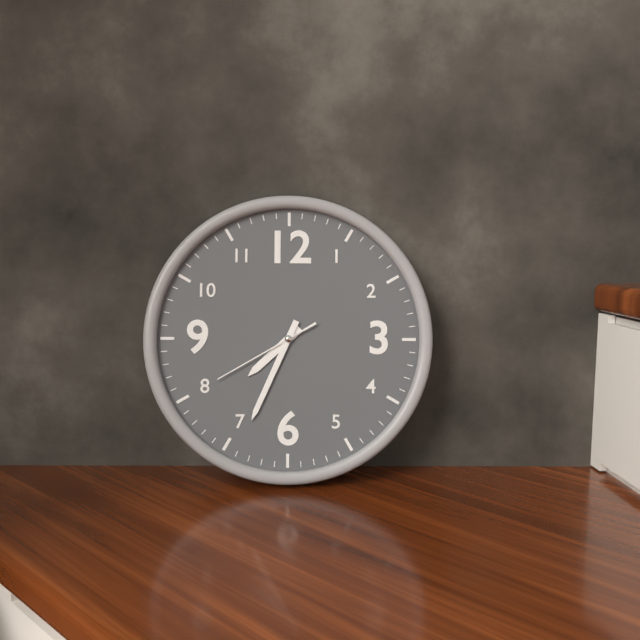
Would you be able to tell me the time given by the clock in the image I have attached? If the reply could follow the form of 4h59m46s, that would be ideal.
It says 7h34m40s
